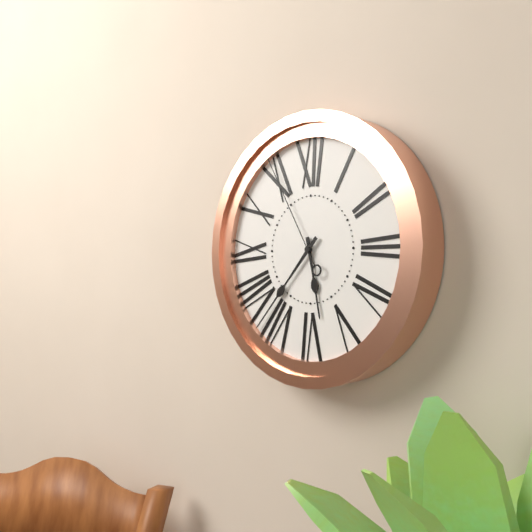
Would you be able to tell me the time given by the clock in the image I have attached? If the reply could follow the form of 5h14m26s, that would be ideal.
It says 5h37m55s
